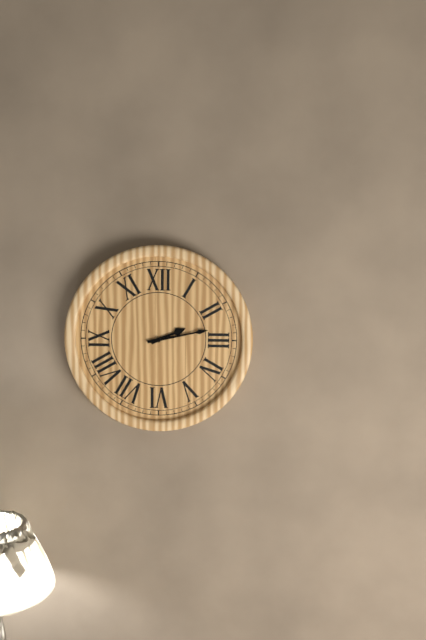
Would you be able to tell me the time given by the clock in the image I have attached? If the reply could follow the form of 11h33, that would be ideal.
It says 2h13
